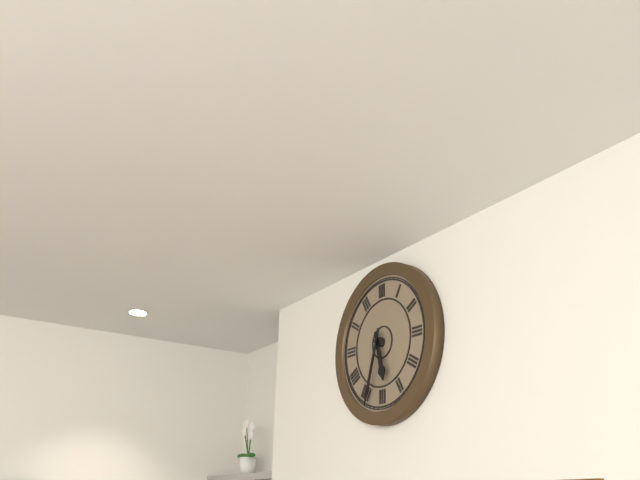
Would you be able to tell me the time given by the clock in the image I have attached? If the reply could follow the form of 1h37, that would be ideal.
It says 5h33
